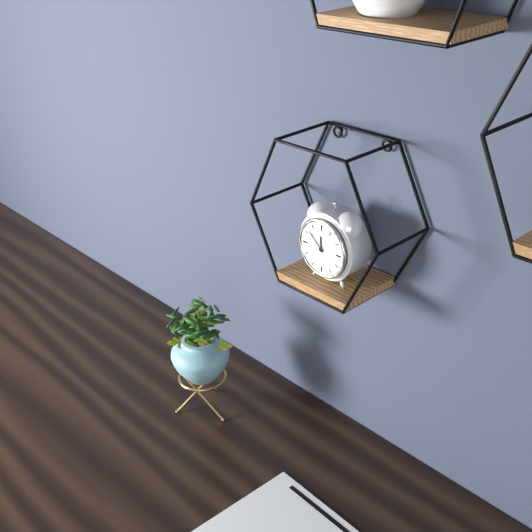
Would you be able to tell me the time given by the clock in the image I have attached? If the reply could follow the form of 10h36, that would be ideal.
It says 11h52
